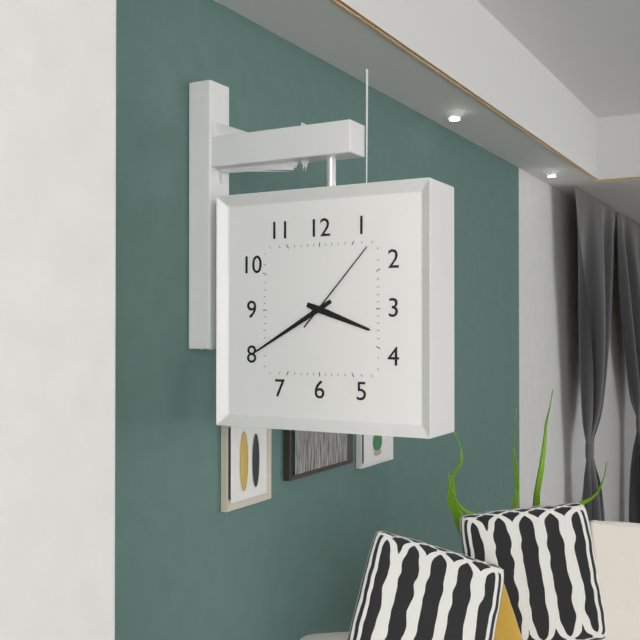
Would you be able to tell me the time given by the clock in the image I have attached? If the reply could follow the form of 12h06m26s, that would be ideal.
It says 3h40m07s
